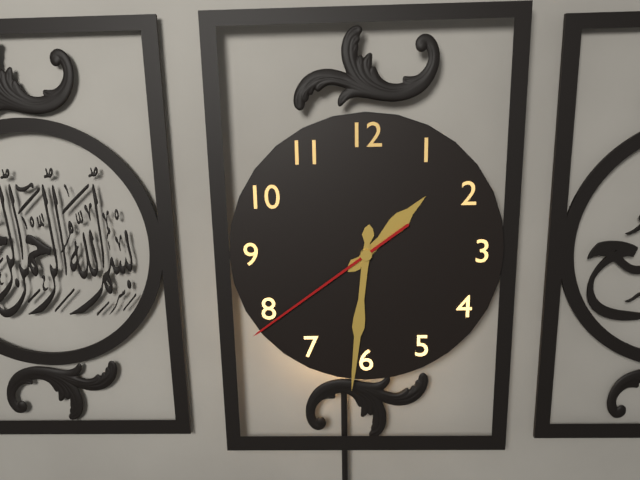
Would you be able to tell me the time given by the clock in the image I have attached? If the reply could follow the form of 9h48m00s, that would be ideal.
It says 1h31m39s
